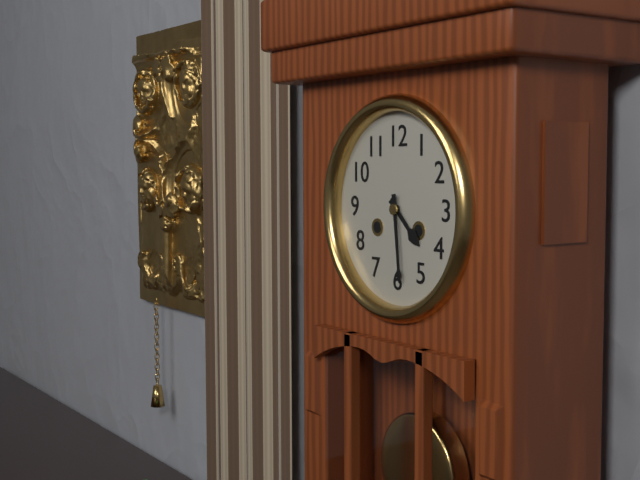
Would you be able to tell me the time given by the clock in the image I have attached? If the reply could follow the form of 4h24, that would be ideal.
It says 4h29
